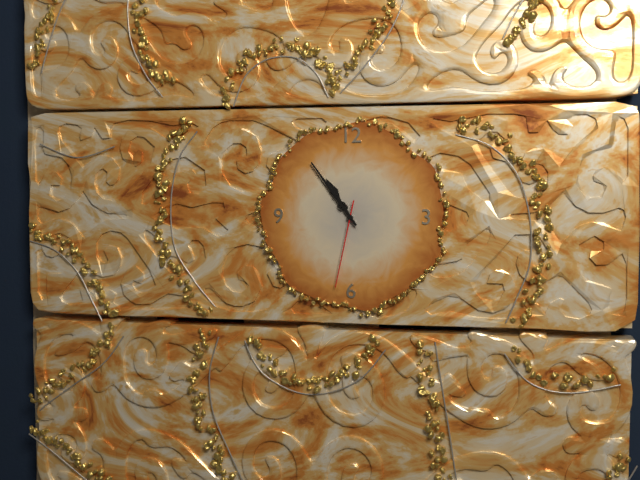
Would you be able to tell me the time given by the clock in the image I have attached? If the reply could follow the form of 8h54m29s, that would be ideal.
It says 10h54m32s
